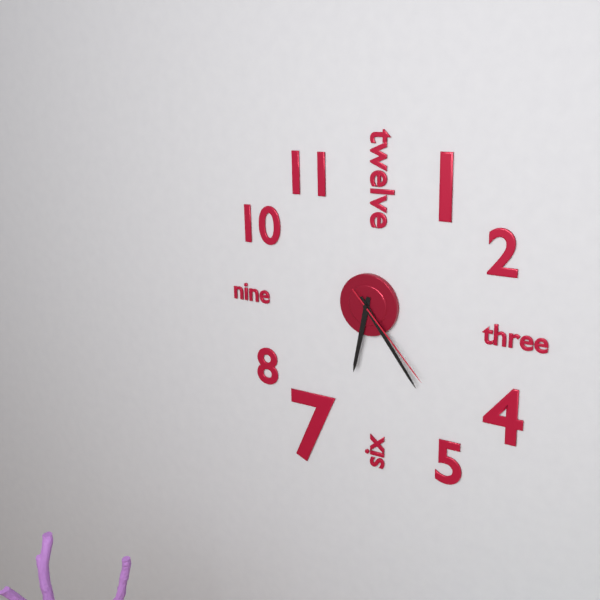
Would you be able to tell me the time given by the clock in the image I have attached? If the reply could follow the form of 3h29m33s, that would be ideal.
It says 6h24m23s
